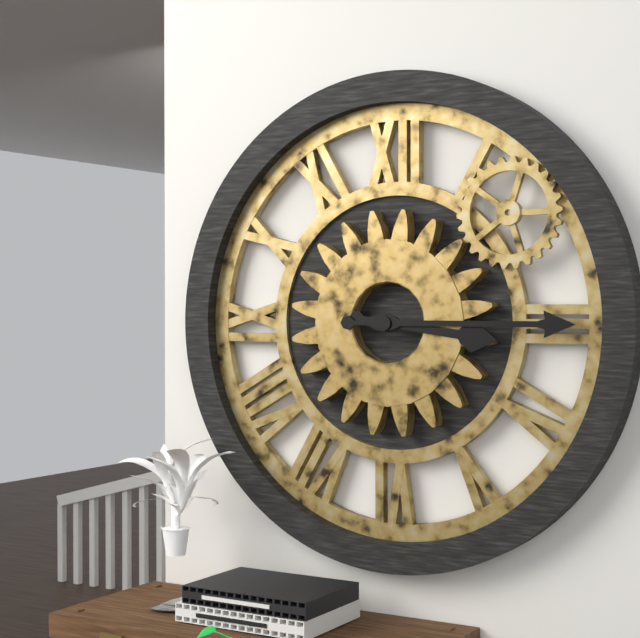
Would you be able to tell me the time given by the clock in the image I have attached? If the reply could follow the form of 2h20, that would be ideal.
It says 3h15
